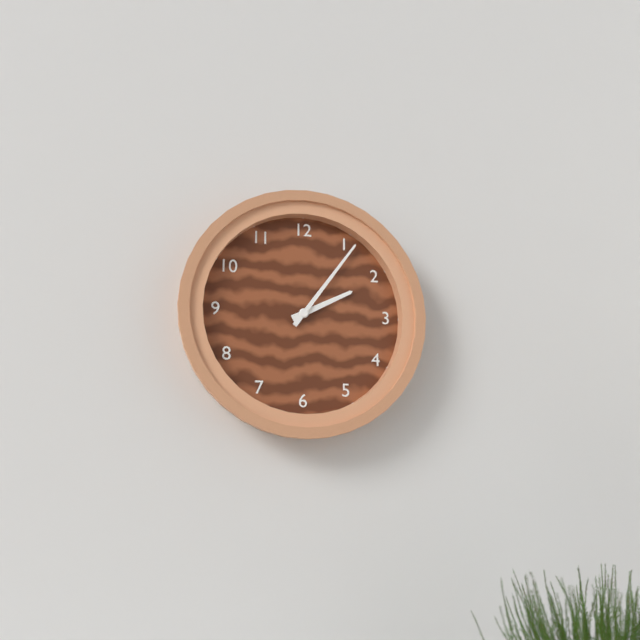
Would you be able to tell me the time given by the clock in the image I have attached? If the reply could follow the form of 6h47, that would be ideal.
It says 2h06
